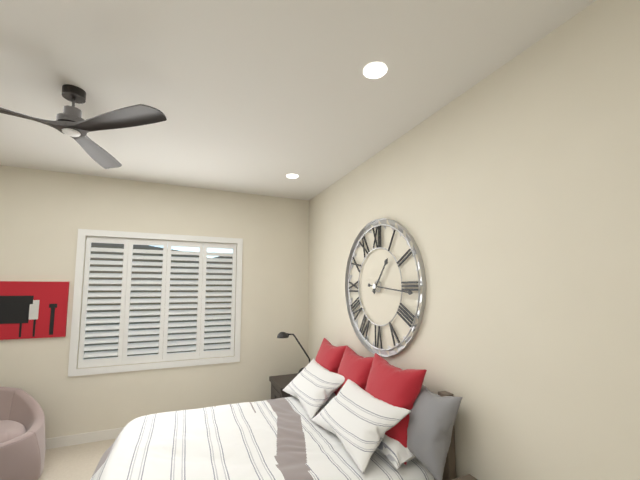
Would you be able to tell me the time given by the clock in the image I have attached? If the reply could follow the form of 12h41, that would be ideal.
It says 1h16
